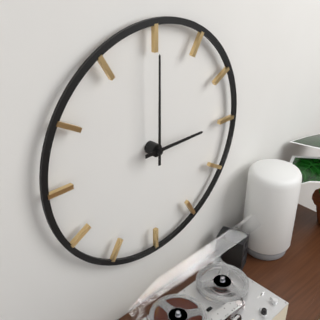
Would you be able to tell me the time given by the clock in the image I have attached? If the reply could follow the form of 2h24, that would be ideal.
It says 3h00
